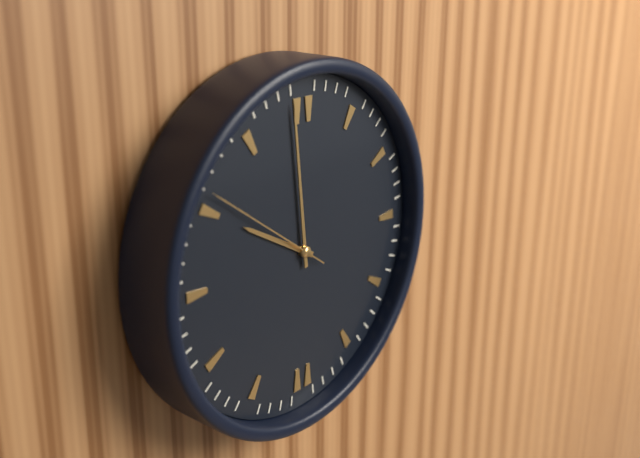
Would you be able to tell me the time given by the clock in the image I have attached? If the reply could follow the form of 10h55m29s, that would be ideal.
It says 9h59m51s
